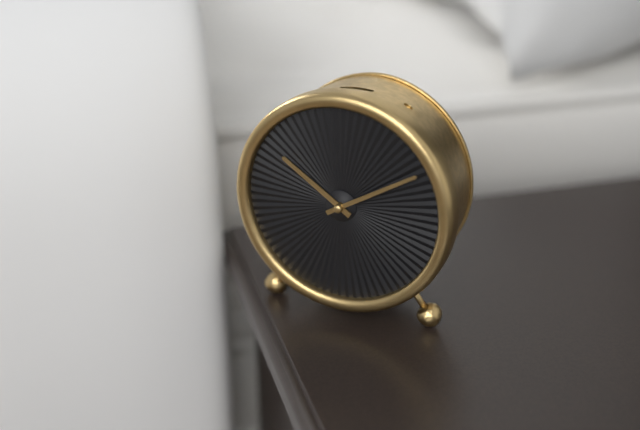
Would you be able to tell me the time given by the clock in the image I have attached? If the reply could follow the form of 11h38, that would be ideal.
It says 10h10
